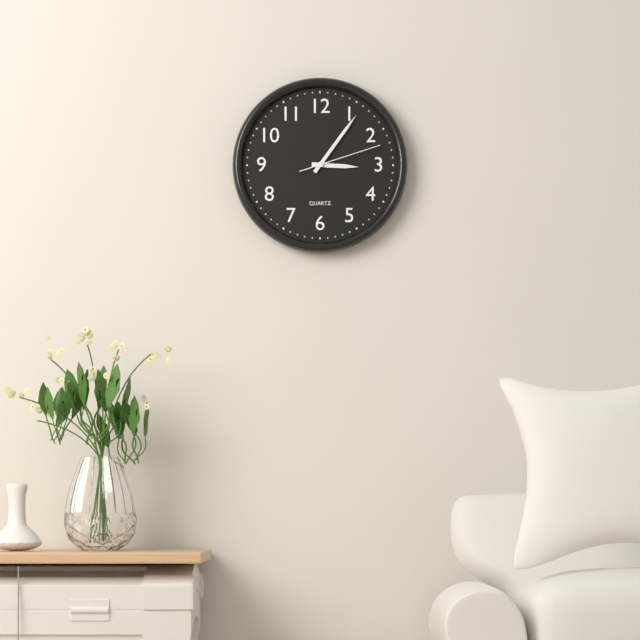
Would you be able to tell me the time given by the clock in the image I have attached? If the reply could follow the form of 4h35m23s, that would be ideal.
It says 3h06m12s
